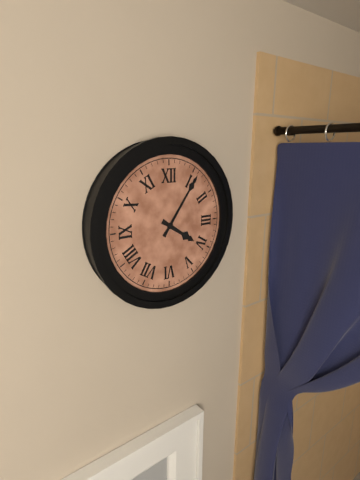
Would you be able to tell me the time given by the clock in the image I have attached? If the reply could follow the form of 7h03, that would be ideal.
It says 4h06
